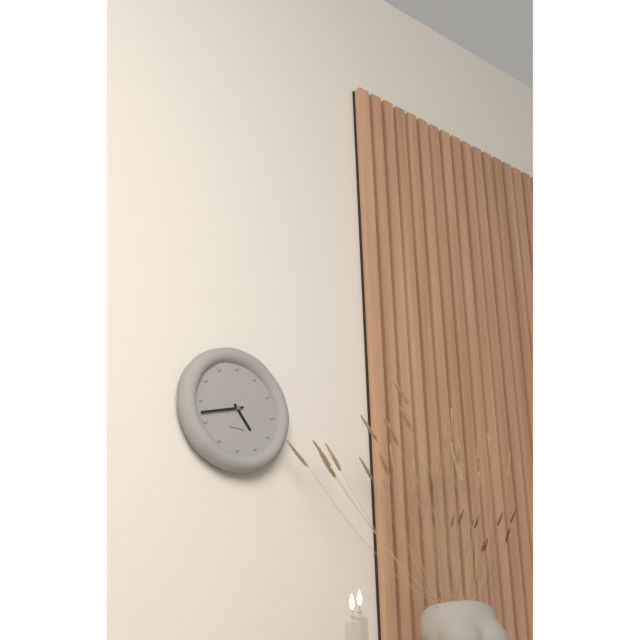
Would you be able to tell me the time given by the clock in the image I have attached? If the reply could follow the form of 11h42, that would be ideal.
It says 4h42
